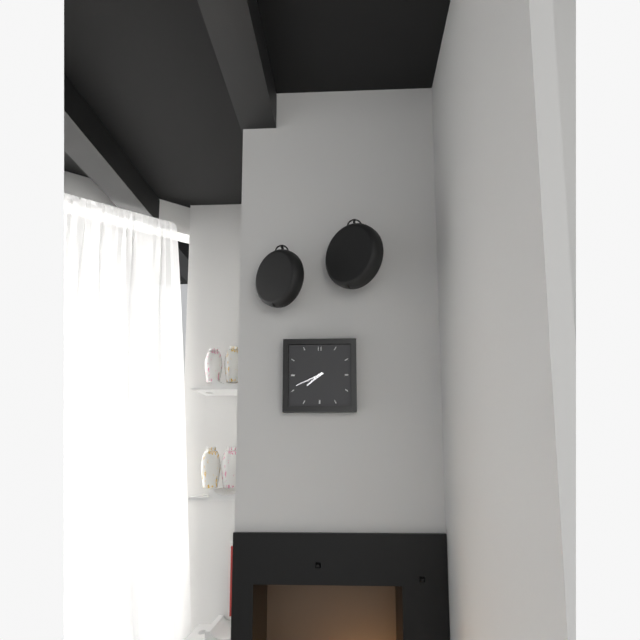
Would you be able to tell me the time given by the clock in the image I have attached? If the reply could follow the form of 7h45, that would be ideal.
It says 7h41
